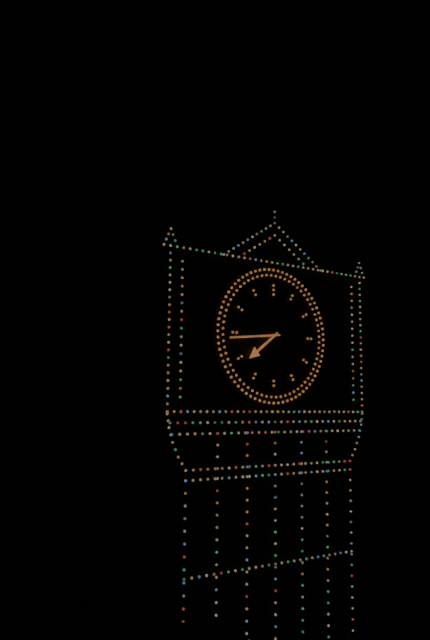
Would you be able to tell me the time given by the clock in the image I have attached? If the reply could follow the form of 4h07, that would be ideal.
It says 7h44
